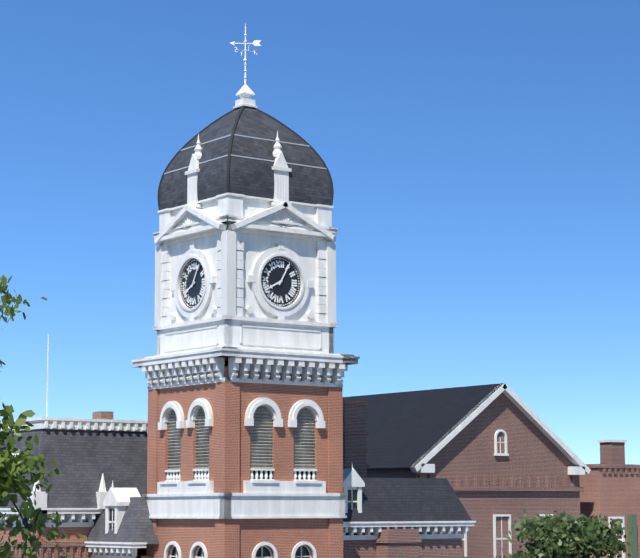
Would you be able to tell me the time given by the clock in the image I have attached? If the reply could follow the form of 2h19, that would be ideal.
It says 8h05
